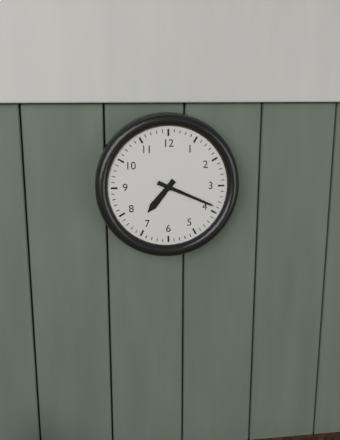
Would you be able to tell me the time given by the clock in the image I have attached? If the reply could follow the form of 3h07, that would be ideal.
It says 7h19
